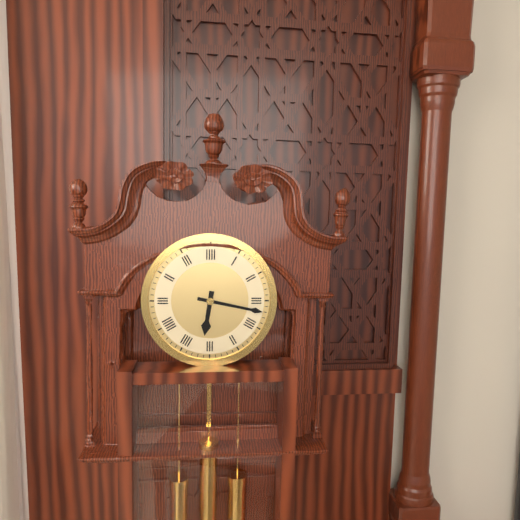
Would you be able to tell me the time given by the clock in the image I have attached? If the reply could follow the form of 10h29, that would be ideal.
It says 6h17
